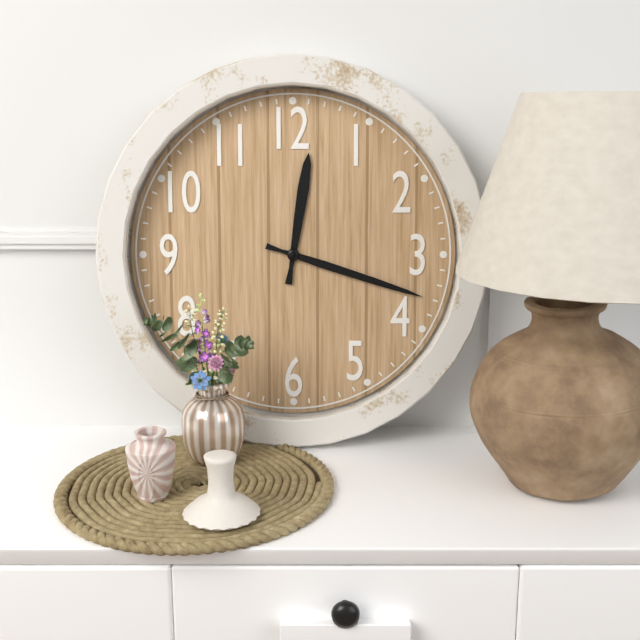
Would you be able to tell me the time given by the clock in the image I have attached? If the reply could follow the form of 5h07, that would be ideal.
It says 12h18
